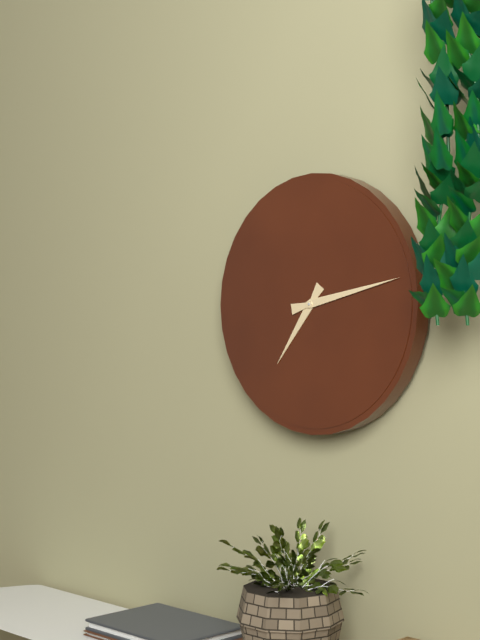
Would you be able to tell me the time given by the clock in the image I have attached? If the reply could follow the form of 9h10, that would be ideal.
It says 7h13
